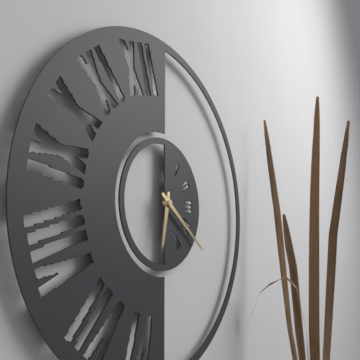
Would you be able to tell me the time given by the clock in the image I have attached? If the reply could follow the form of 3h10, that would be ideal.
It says 6h21
